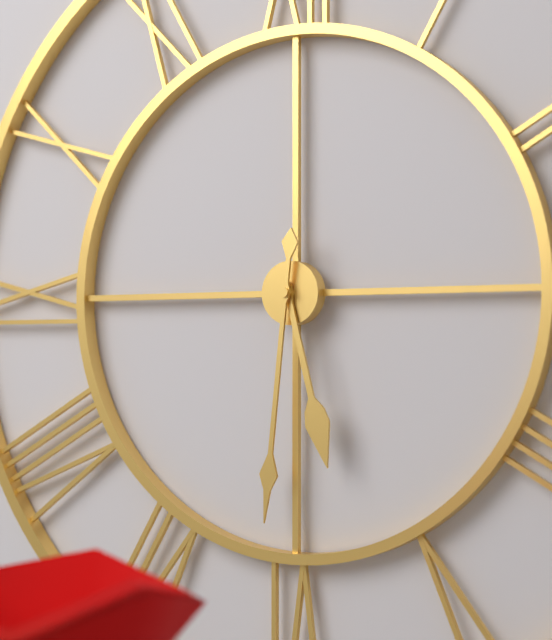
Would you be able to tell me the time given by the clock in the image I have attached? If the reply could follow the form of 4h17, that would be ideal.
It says 5h31
